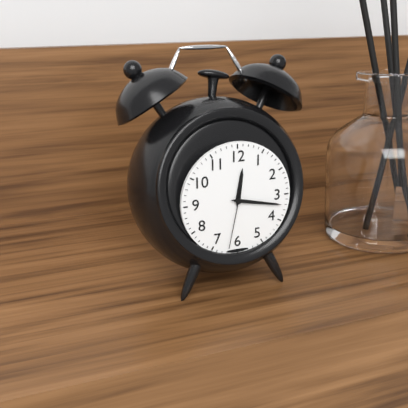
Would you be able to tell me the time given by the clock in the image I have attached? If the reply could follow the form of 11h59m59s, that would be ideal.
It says 12h17m32s
